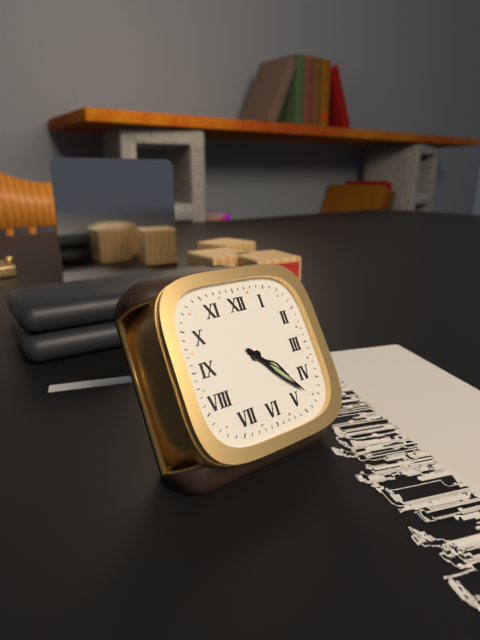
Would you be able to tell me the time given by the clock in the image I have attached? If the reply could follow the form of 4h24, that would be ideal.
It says 4h23
